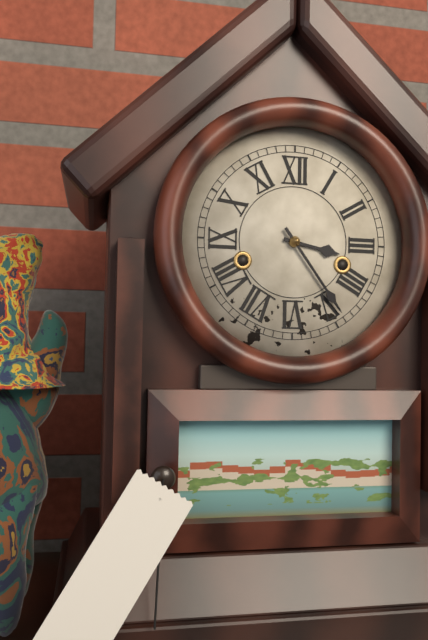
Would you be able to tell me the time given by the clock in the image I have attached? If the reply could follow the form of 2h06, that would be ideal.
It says 3h24
